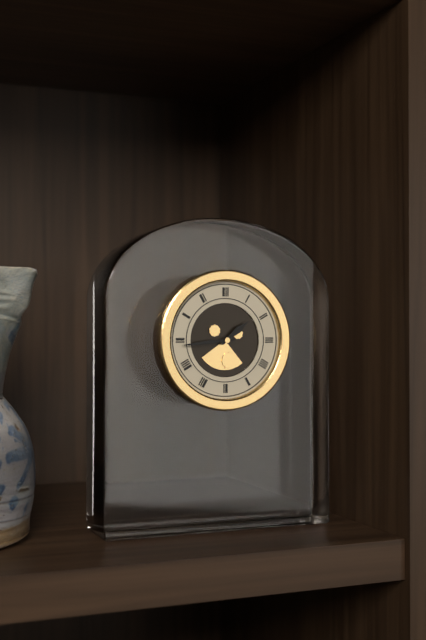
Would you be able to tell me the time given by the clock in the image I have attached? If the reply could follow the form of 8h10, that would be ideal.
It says 1h44
